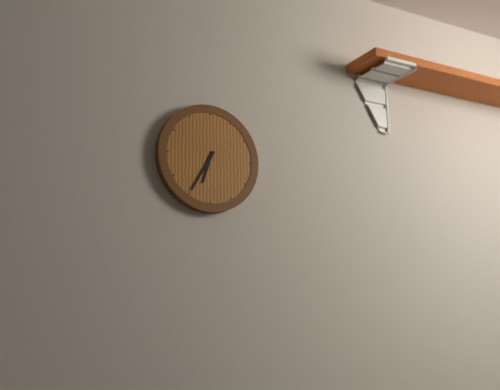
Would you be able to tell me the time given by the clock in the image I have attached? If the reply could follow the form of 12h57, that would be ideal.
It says 6h35
